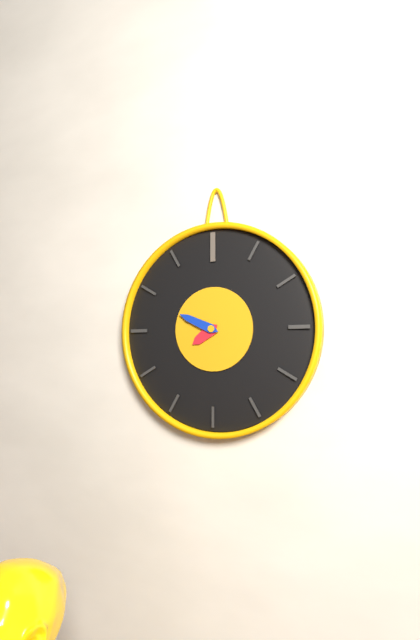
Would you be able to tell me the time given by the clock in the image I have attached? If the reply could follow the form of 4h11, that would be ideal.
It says 7h49
